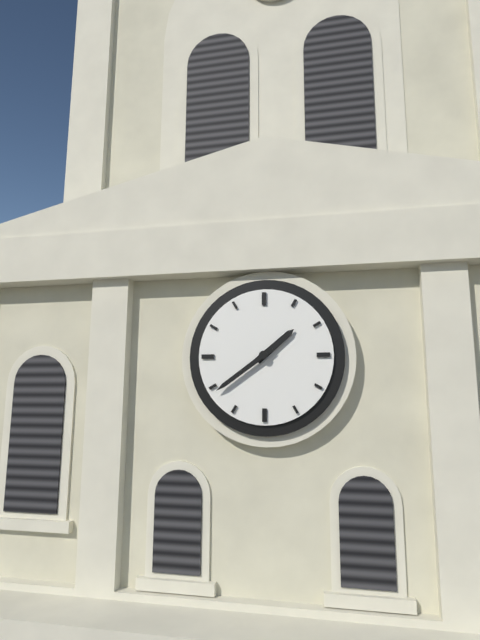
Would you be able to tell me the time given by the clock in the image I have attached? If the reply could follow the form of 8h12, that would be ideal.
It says 1h39
